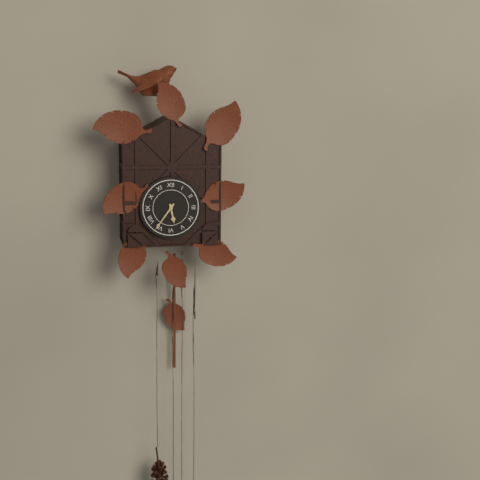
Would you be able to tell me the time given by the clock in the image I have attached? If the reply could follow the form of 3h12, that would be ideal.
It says 5h36
